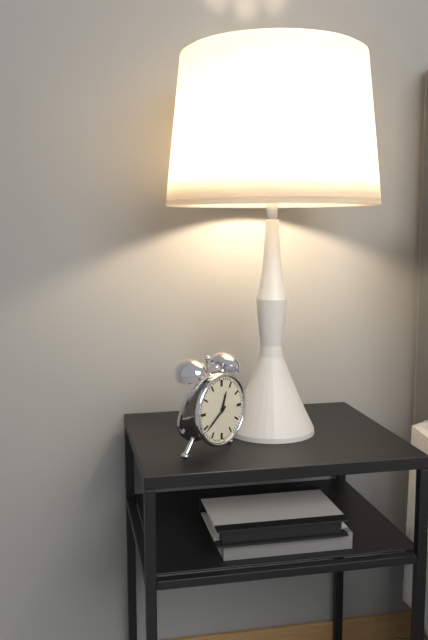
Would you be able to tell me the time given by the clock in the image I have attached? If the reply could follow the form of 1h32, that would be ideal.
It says 12h39
